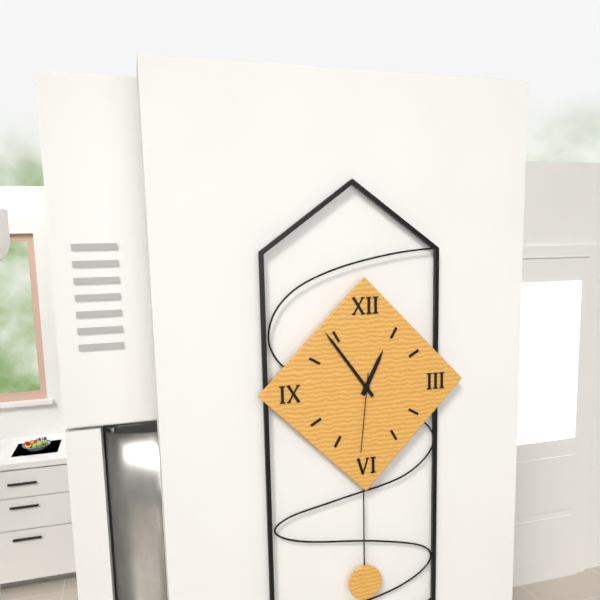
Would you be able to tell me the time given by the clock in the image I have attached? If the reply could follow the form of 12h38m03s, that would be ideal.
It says 12h54m31s
